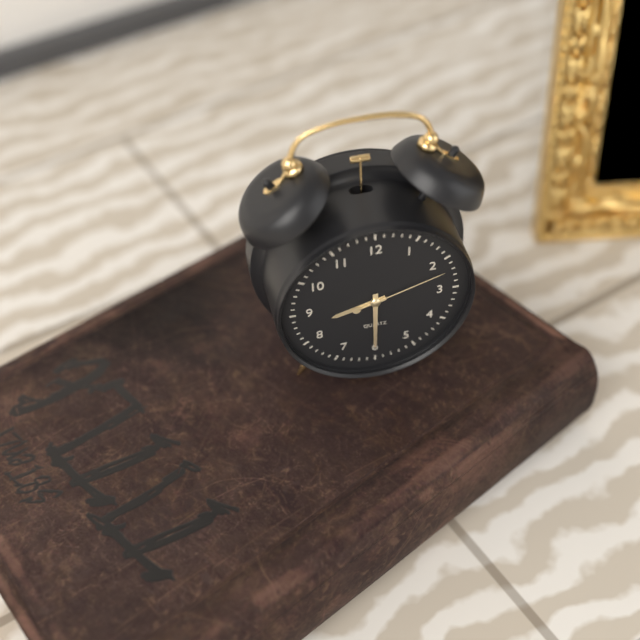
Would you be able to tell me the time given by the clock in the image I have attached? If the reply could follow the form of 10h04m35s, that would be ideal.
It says 8h30m12s
